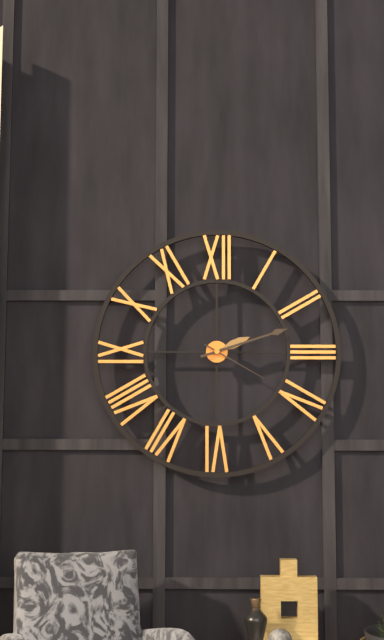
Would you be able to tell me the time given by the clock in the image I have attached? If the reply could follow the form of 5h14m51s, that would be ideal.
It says 2h12m20s
